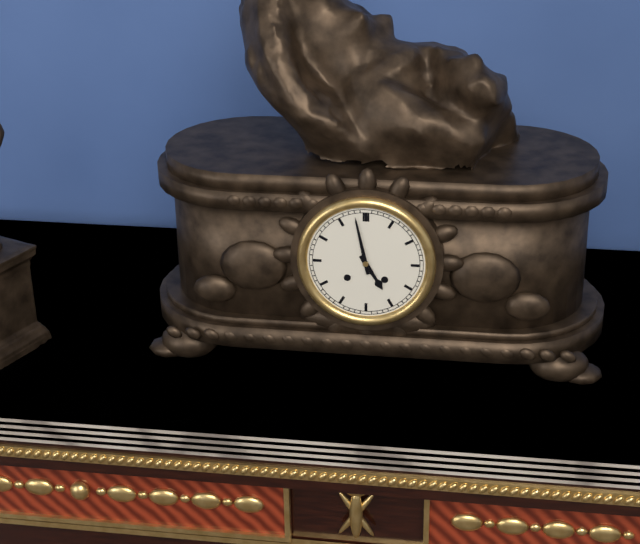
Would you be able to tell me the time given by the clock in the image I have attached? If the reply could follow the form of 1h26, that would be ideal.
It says 4h58
